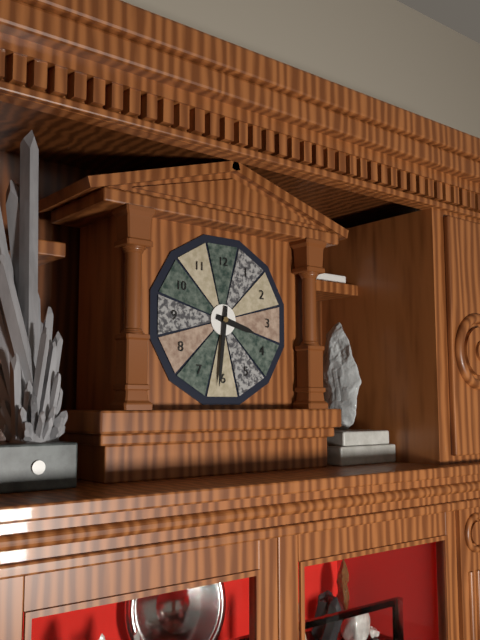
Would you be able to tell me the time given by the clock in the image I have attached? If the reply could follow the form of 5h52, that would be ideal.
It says 3h31
